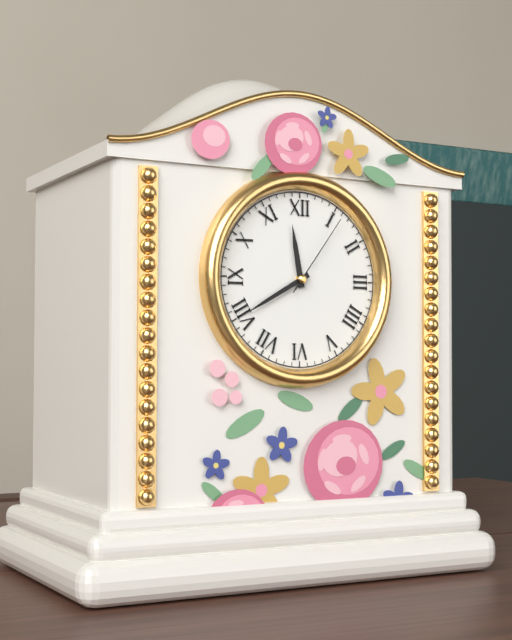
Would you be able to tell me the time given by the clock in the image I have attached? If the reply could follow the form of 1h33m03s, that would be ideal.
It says 11h40m06s
